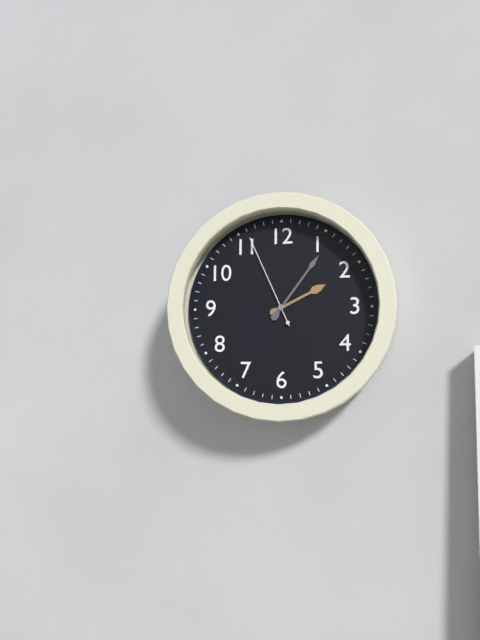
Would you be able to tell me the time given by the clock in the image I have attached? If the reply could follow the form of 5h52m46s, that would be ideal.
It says 2h06m56s
